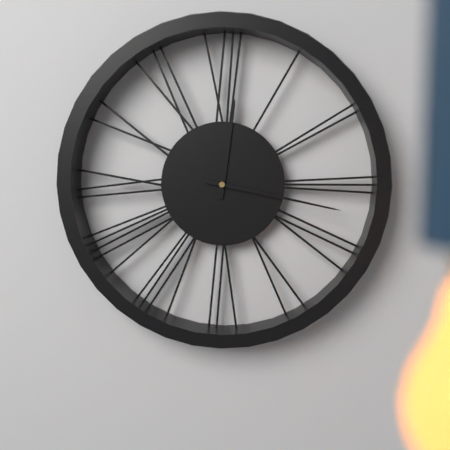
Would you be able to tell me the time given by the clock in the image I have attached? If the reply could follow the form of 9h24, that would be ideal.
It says 12h17
